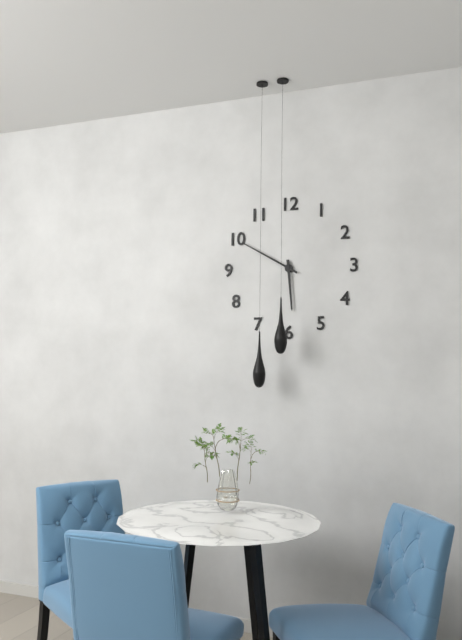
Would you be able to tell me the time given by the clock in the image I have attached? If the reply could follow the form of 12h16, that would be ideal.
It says 5h50
